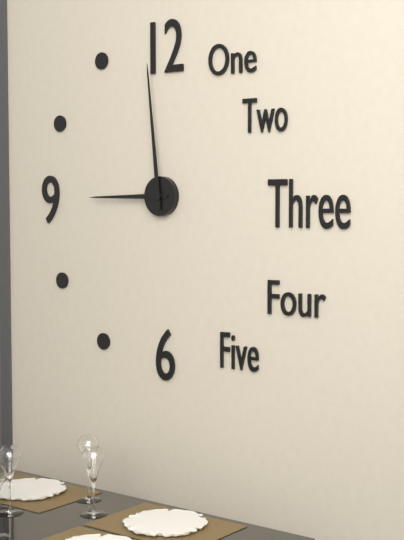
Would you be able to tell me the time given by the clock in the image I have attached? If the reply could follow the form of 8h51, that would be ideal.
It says 8h59
